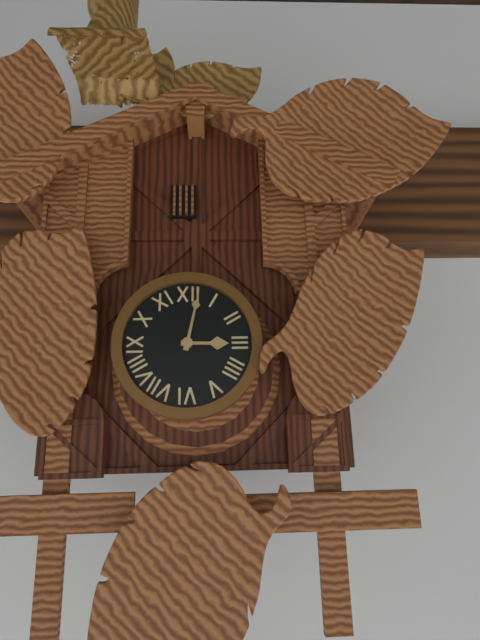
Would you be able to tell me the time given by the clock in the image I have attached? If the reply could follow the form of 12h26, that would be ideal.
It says 3h02
